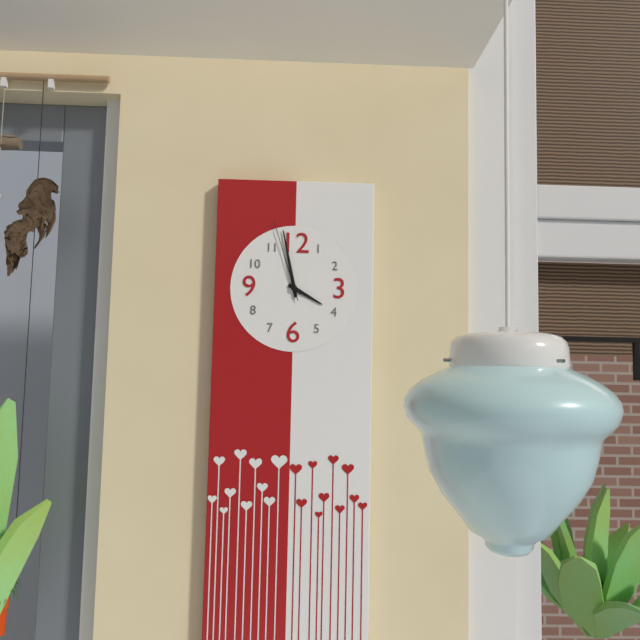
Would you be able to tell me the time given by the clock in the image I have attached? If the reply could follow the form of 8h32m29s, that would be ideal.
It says 3h58m57s
